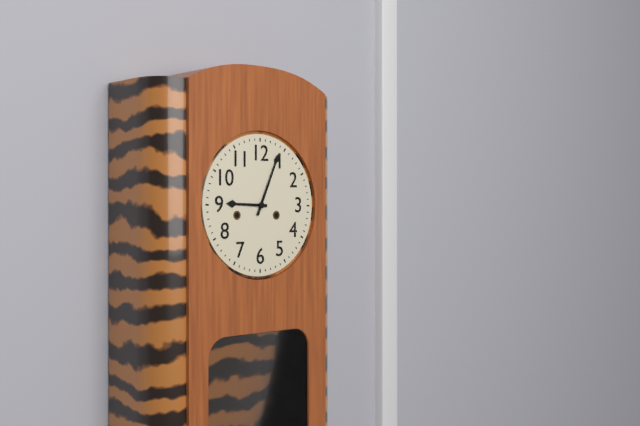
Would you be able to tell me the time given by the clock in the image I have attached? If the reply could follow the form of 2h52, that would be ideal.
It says 9h04
